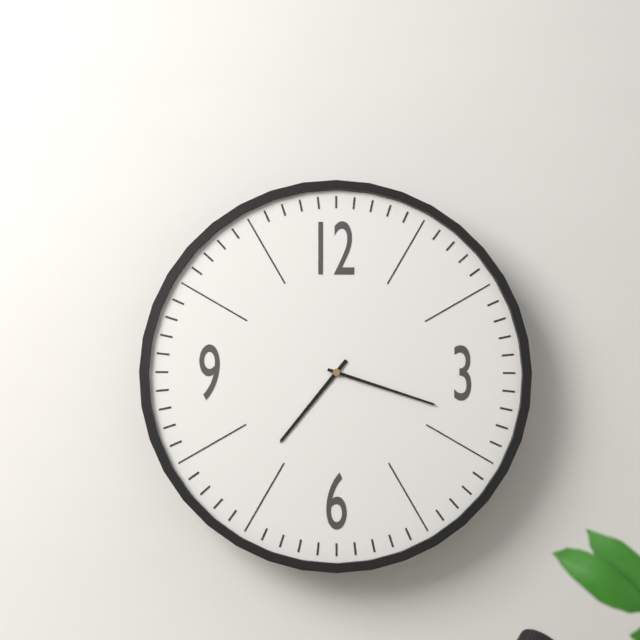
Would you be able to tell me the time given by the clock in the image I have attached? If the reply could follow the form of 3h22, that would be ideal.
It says 7h18
